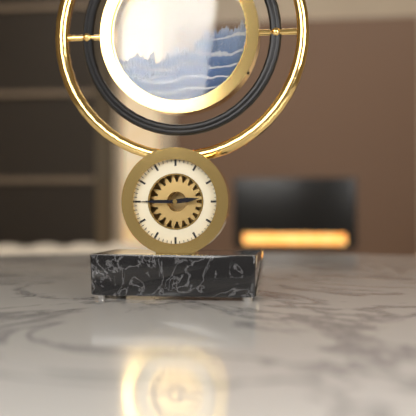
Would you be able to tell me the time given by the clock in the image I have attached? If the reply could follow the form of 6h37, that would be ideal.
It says 2h45
